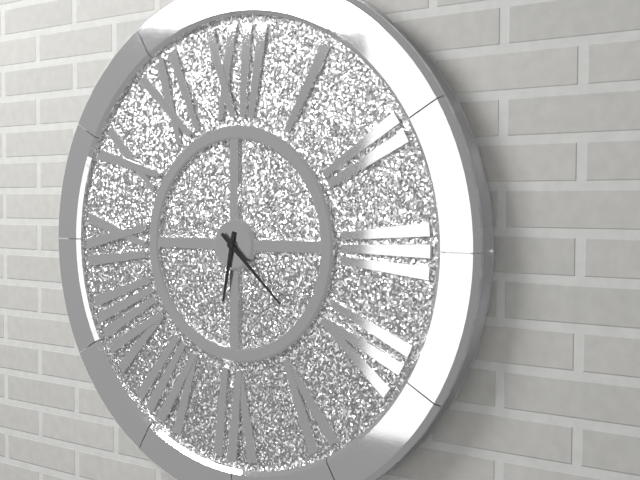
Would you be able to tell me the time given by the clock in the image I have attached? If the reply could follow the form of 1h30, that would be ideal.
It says 6h22
